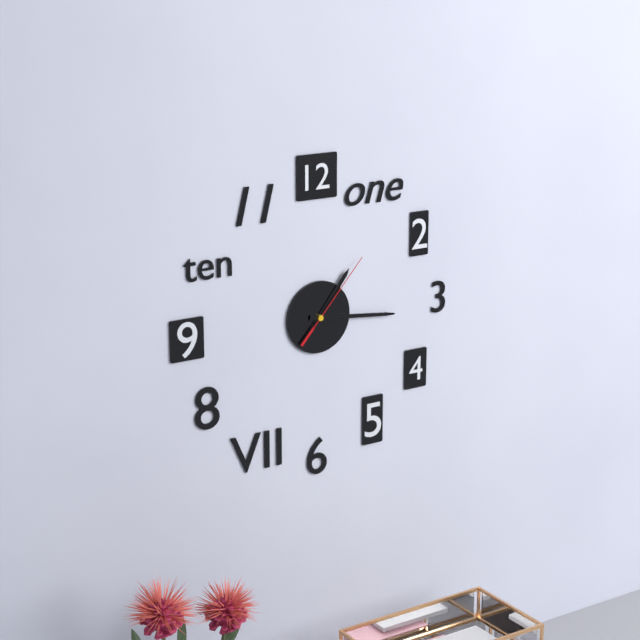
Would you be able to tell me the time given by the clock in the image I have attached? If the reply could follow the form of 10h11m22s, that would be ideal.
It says 1h16m07s
